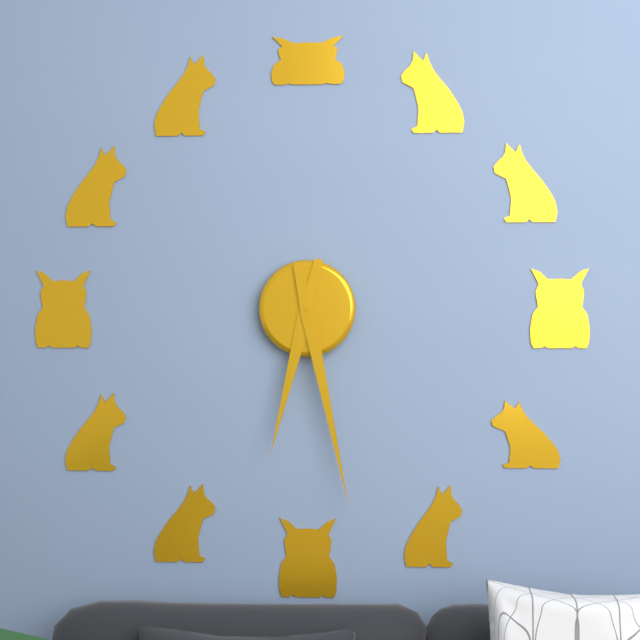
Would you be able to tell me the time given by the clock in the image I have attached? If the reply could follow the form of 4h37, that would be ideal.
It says 6h28
